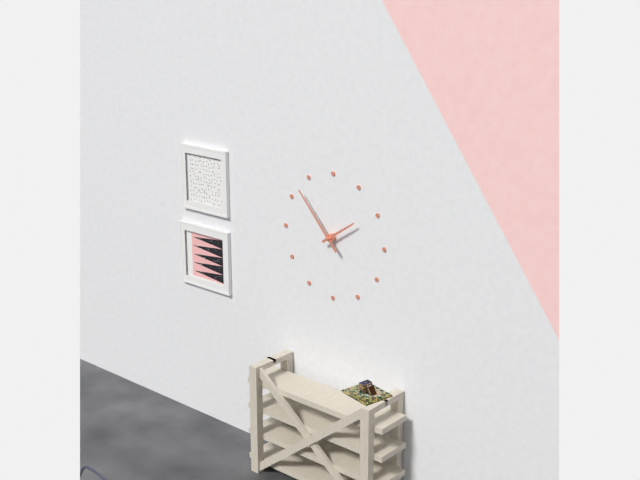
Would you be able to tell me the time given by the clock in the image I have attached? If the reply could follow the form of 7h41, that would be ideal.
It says 1h53
